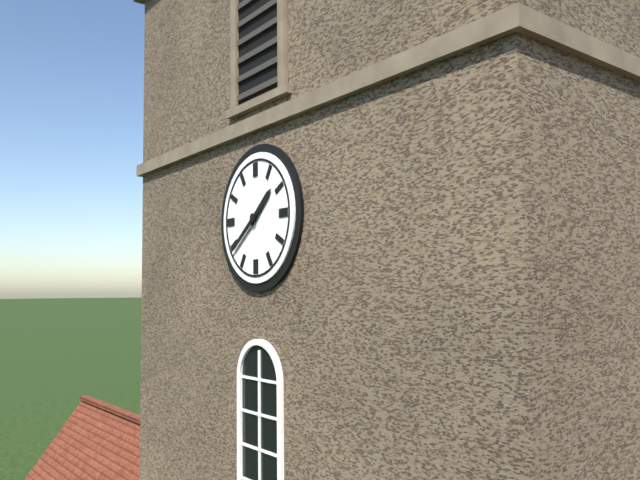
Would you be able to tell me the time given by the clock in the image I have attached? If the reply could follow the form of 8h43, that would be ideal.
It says 1h39
